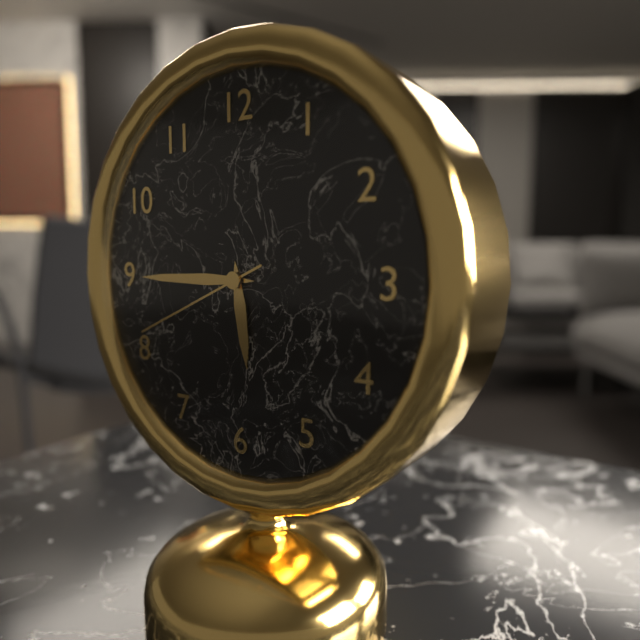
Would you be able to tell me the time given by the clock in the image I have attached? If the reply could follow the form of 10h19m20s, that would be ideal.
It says 5h45m41s
